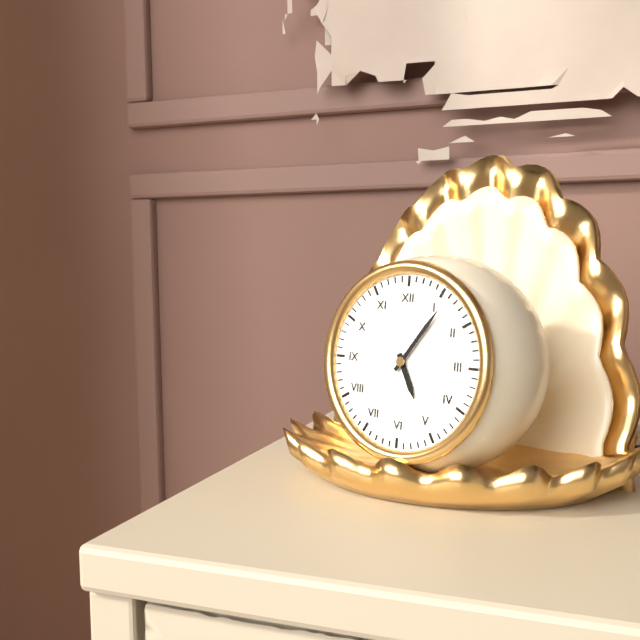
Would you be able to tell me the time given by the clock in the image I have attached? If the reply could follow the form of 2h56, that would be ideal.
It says 5h06
